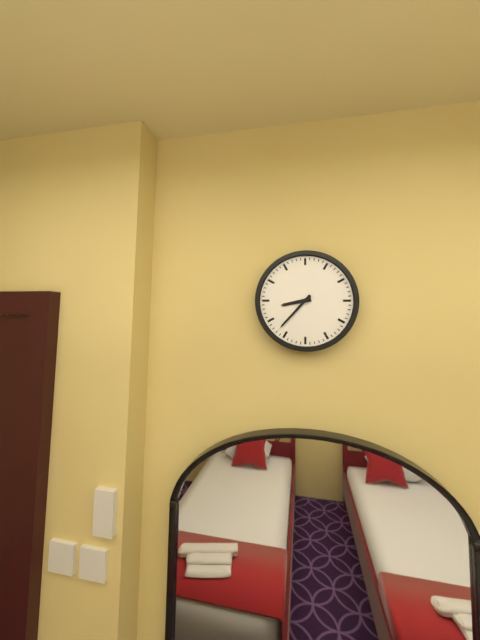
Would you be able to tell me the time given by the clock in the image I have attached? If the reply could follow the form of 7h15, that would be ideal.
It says 8h37
